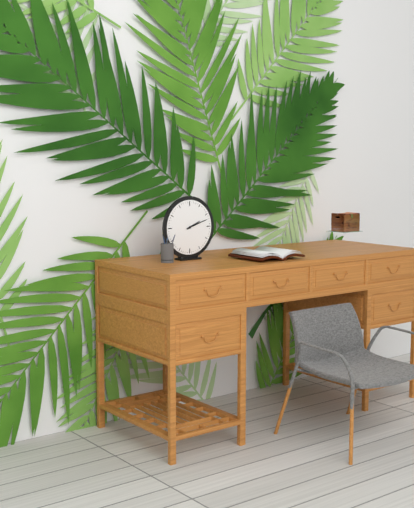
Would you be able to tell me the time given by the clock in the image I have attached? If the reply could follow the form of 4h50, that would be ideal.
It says 2h12
